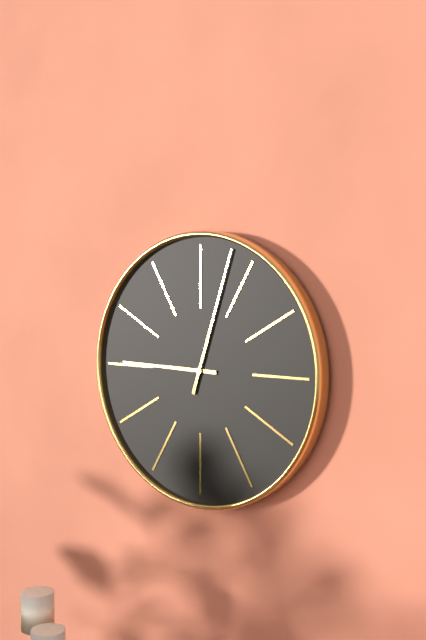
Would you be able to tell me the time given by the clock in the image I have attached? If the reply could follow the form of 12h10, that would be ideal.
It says 9h03
